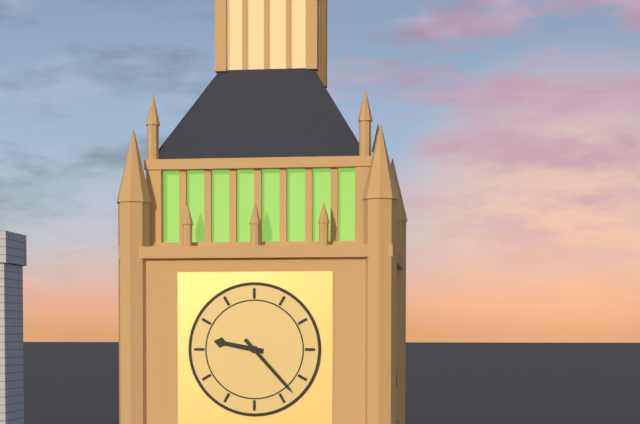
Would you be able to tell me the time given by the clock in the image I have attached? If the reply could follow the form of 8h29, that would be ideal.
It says 9h23
